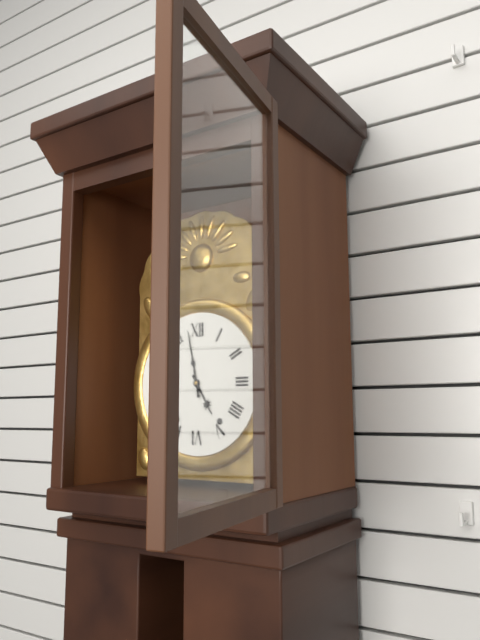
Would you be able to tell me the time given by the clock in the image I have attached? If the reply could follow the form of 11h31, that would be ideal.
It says 4h58
